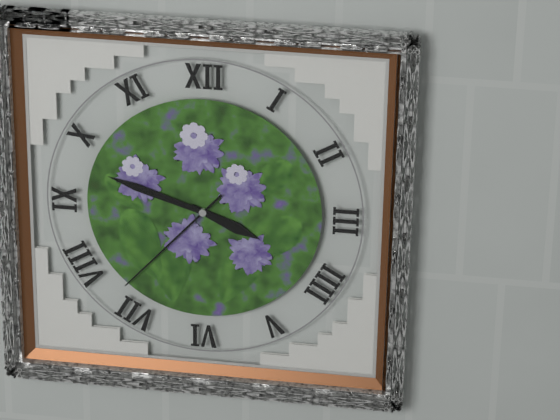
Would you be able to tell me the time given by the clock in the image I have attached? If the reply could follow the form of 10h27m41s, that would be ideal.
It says 3h48m37s
